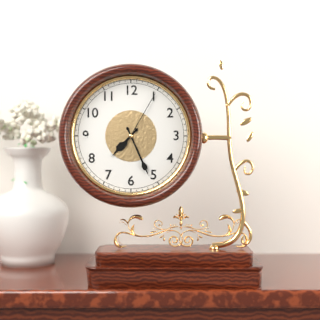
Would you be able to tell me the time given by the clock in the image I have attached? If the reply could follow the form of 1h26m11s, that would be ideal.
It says 7h26m05s
